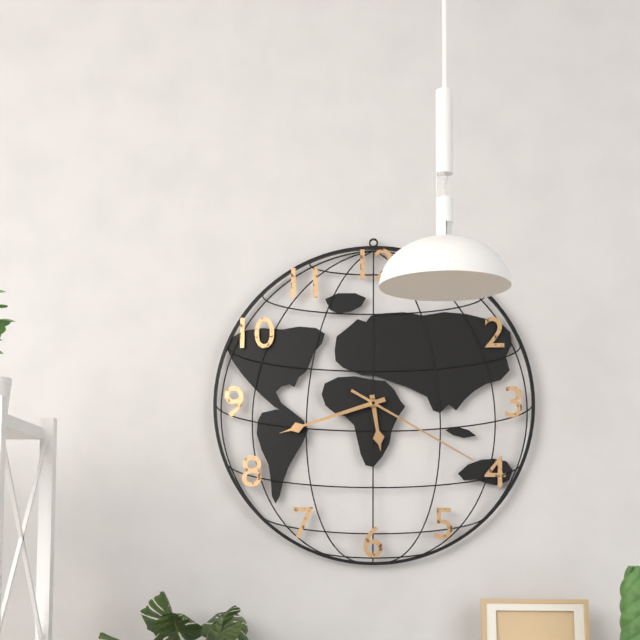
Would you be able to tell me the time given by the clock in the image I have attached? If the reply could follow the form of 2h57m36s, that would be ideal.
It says 5h42m20s
